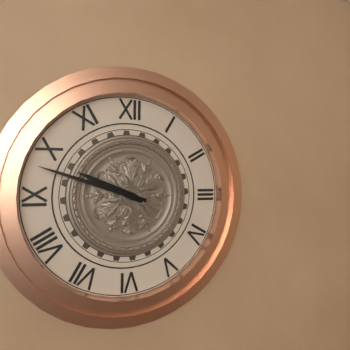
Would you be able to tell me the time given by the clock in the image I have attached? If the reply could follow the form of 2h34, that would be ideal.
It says 9h48
